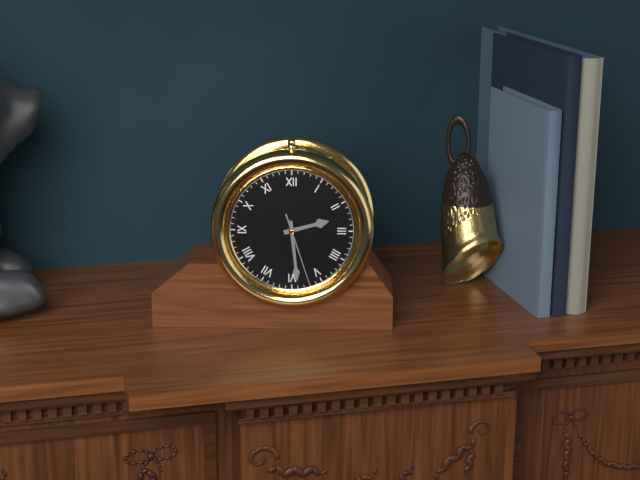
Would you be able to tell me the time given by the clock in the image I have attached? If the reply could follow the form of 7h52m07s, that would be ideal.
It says 2h29m27s
